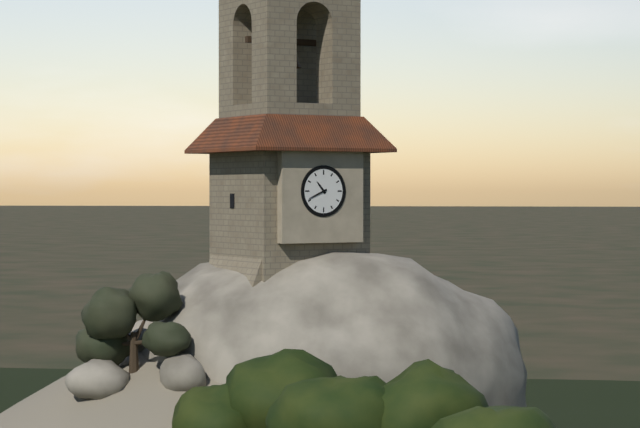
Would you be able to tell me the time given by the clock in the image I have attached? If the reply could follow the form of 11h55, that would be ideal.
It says 10h41
